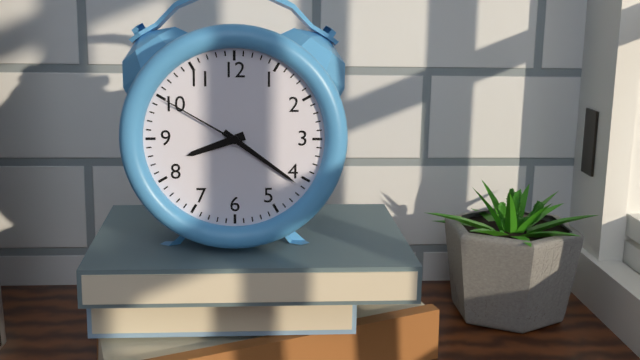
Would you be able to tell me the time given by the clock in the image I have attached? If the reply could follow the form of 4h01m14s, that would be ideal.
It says 8h21m50s
